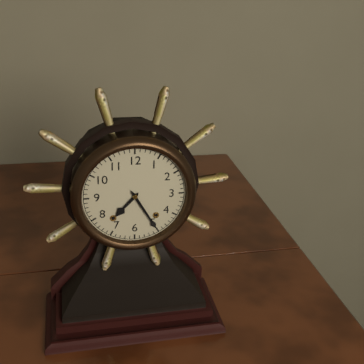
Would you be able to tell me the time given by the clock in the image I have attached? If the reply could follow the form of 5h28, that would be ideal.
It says 7h25
